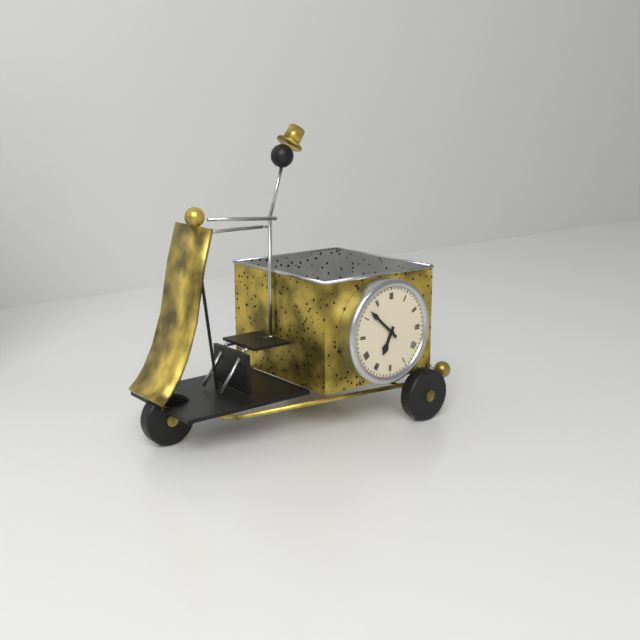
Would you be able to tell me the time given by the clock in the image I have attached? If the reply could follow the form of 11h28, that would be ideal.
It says 6h52
